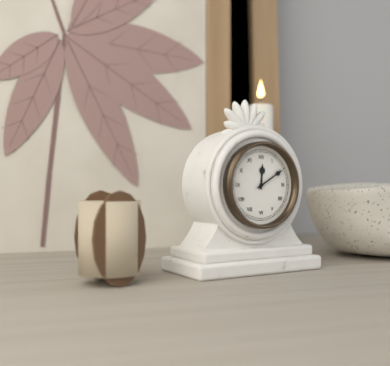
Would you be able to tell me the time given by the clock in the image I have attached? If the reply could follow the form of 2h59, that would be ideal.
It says 12h10
